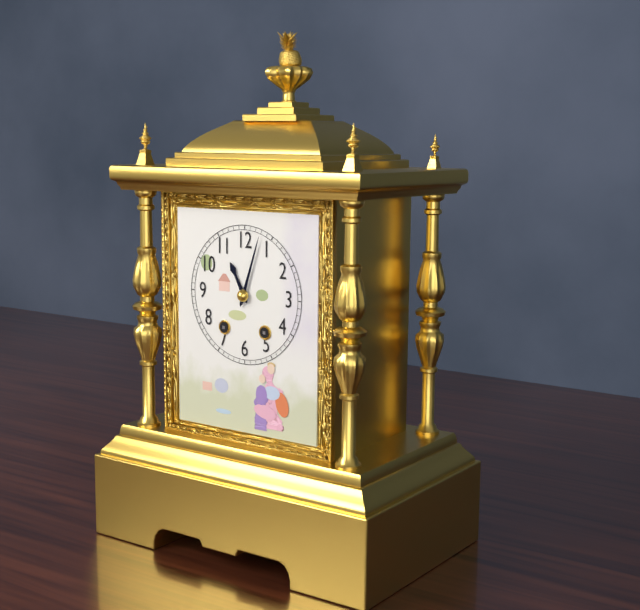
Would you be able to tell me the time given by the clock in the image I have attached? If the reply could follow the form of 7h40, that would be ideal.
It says 11h03
